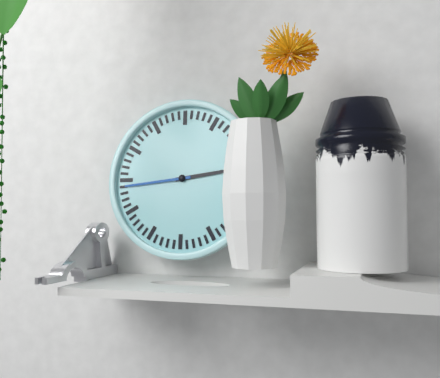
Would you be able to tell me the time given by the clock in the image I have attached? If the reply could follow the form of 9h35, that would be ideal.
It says 2h44
